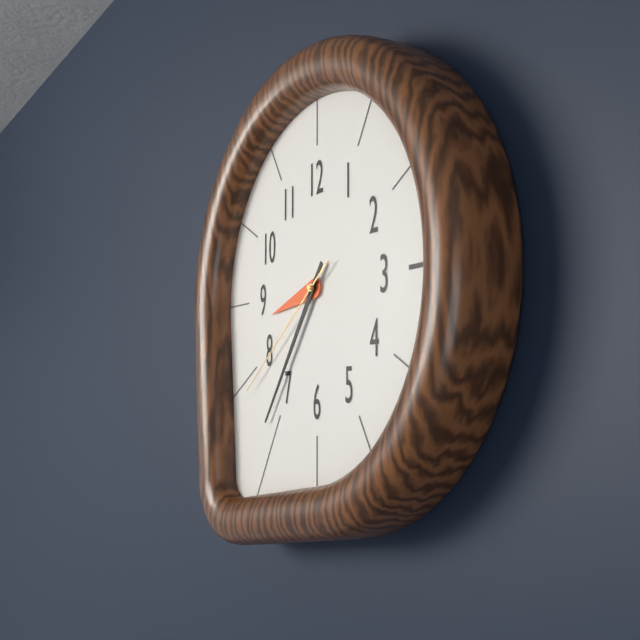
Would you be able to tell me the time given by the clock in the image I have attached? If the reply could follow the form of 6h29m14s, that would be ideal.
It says 8h36m39s
